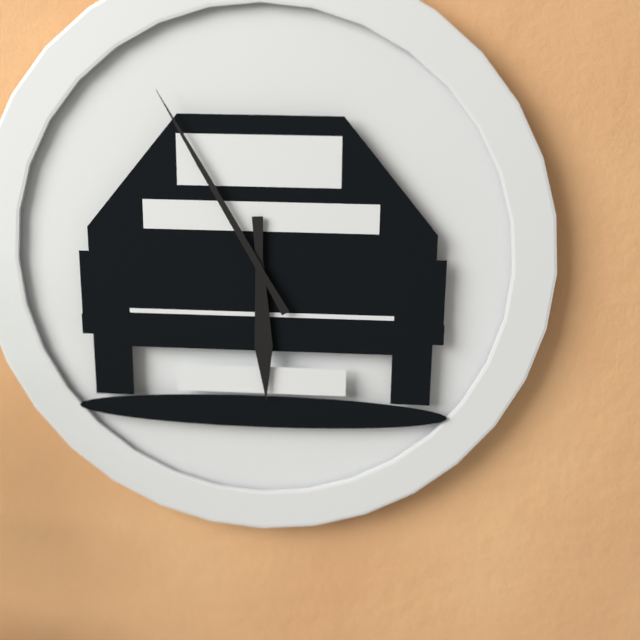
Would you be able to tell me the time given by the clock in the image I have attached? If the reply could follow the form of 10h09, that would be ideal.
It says 5h55
